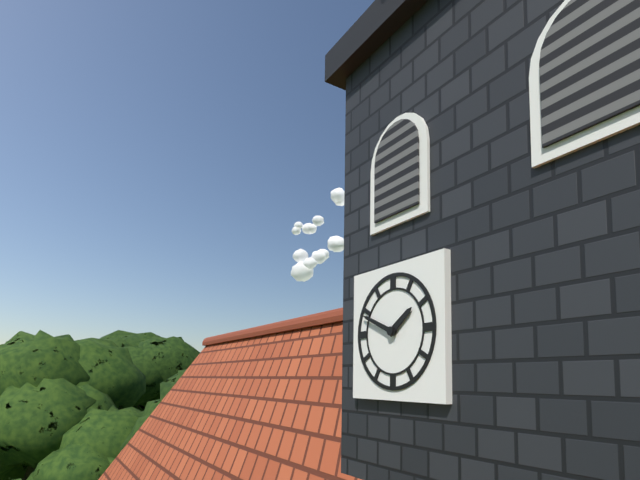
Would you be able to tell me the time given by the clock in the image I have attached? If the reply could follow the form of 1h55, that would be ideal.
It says 1h49
